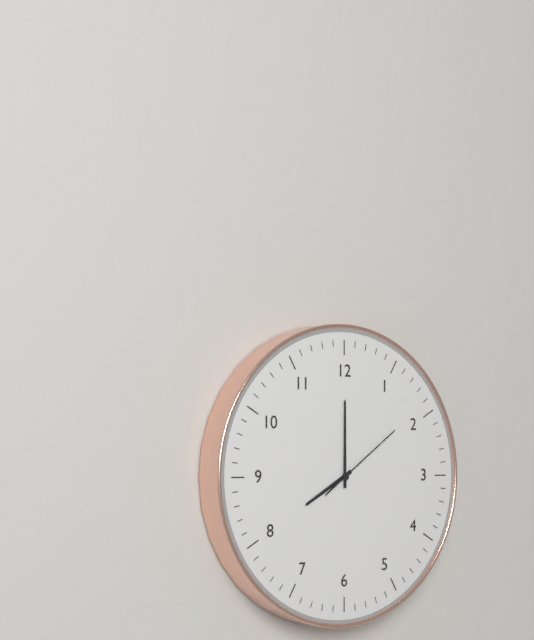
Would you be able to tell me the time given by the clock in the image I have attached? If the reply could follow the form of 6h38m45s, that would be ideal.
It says 8h00m09s
